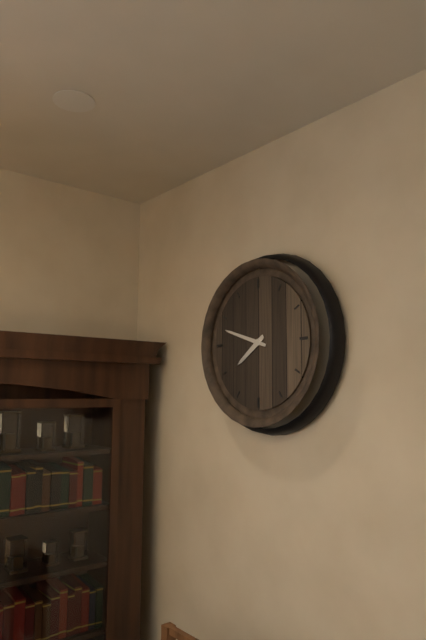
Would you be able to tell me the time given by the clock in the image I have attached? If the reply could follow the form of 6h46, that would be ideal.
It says 7h48
